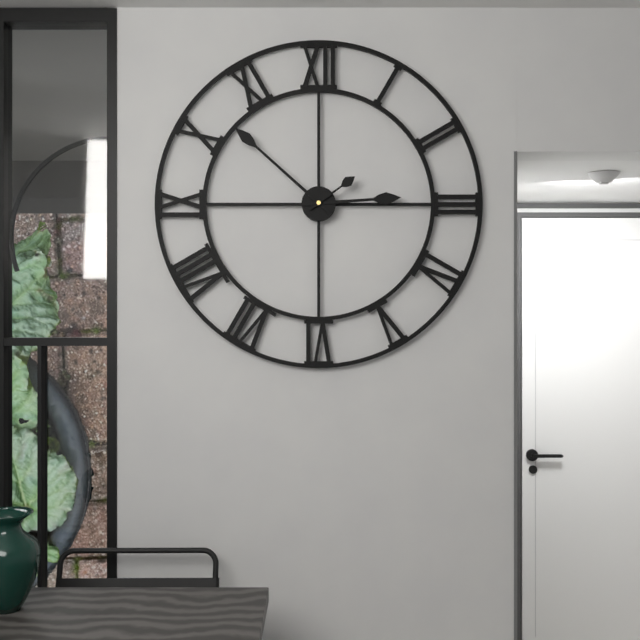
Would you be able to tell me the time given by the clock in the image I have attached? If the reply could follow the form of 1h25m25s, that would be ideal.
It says 2h52m09s
